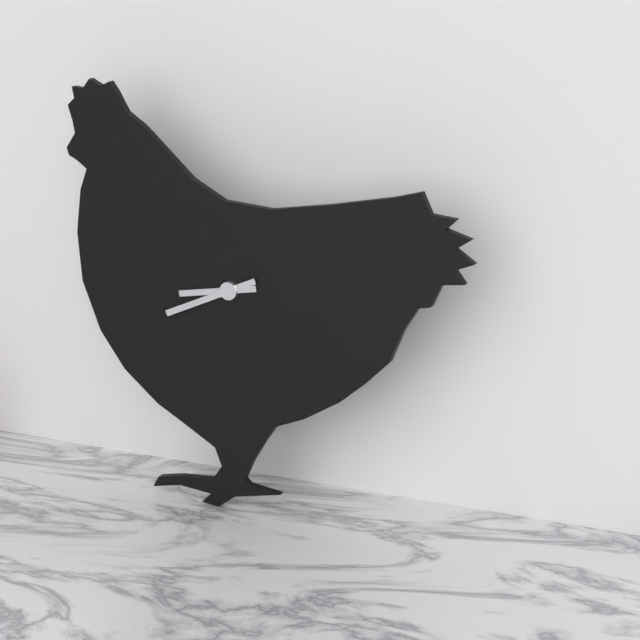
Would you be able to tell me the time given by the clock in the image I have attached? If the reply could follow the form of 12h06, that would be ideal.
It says 8h41
